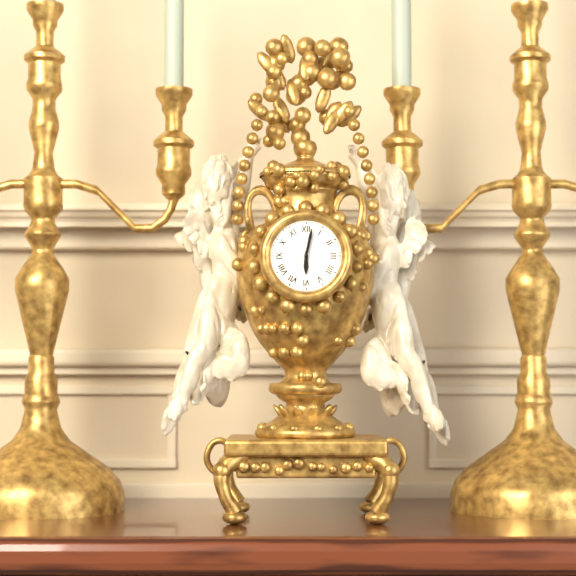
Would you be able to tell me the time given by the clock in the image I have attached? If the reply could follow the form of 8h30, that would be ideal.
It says 6h02
